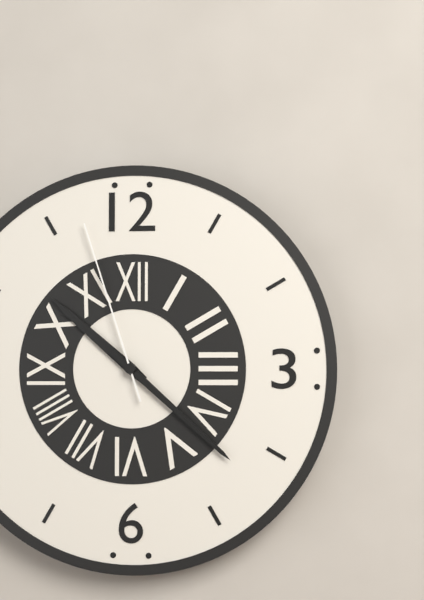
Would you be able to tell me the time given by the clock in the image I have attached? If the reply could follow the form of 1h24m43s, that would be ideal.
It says 10h22m57s
